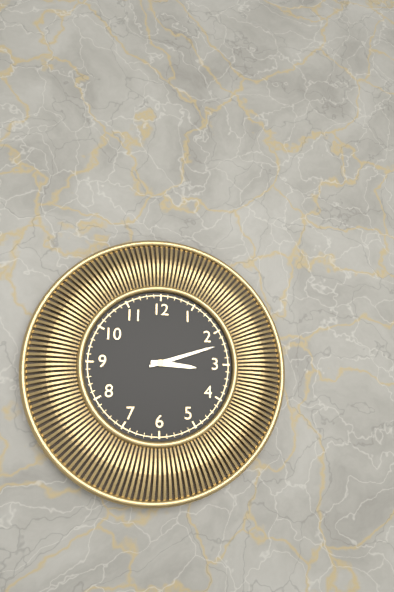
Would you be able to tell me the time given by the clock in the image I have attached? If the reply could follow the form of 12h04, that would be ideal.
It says 3h12
